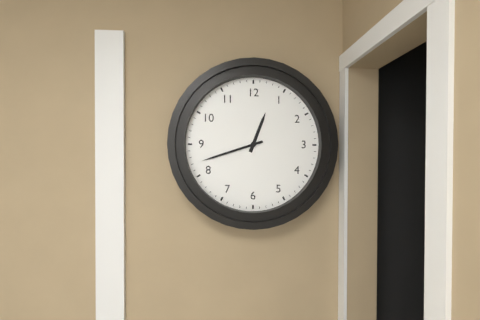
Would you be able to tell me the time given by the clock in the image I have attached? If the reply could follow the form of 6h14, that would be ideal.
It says 12h42
